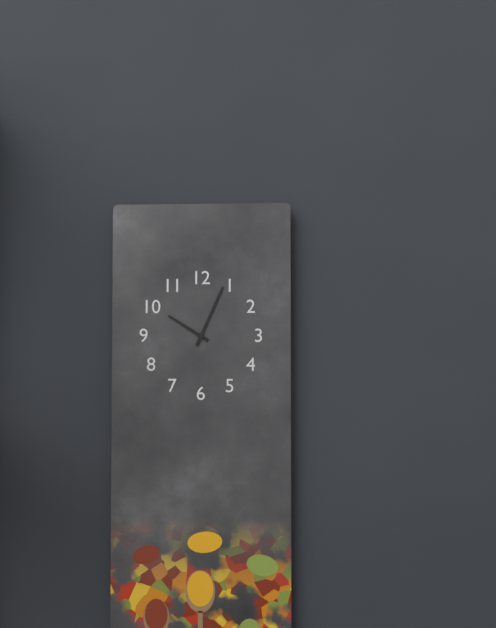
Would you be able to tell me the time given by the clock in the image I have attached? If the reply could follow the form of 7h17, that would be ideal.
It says 10h04
